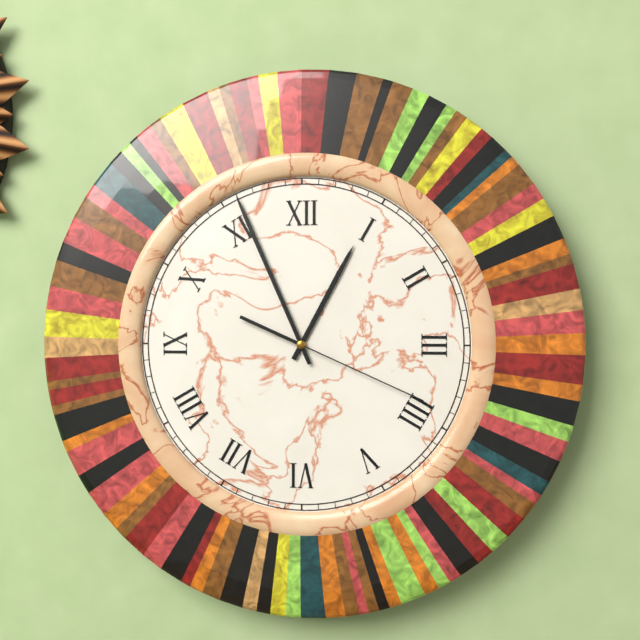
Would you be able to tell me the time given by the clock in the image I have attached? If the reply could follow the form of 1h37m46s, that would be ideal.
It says 12h56m19s
